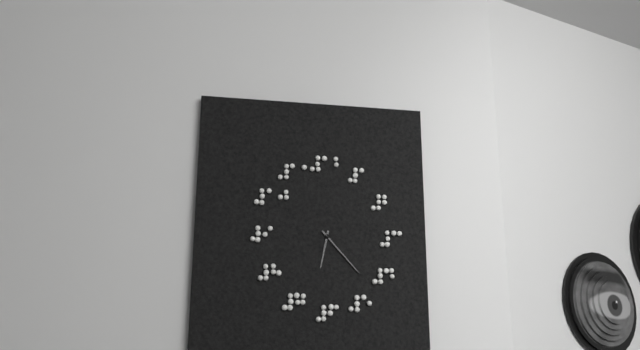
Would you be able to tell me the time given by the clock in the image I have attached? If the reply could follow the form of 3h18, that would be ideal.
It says 6h23
